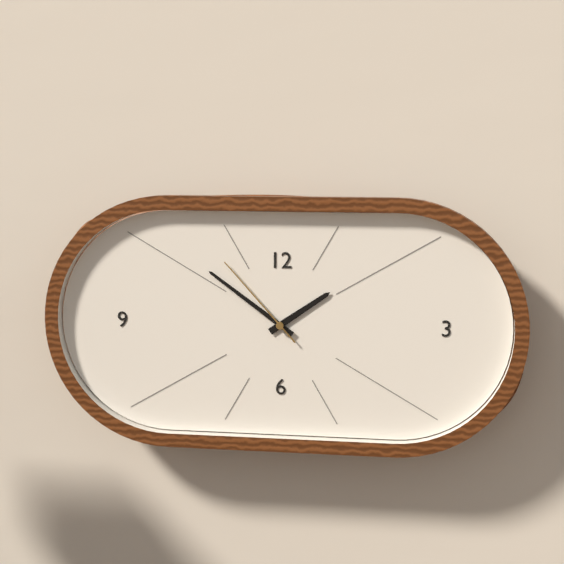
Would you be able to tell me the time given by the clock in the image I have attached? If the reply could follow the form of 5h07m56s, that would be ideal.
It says 1h51m53s
